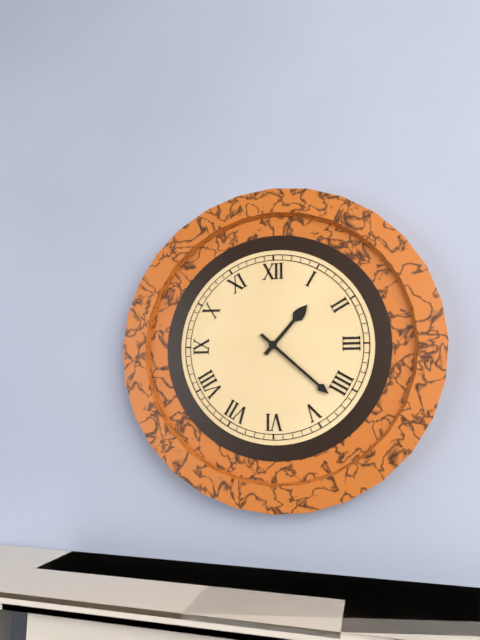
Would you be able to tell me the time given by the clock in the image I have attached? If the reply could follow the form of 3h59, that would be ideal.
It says 1h22
